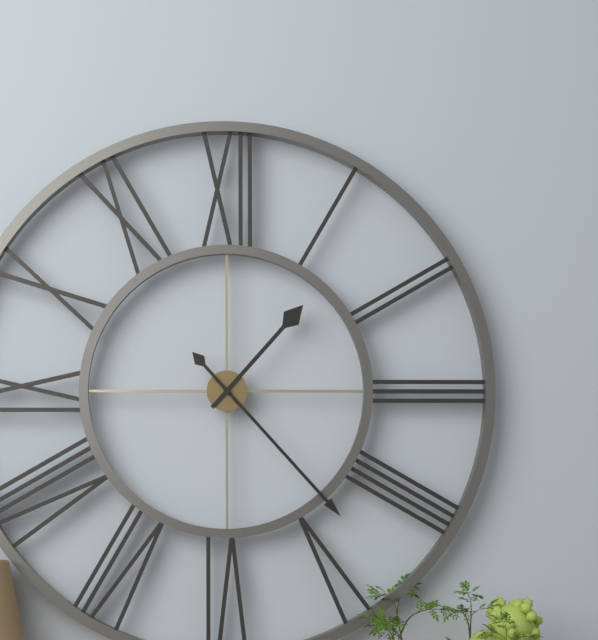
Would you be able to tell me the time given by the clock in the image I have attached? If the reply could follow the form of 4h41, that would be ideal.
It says 1h23
